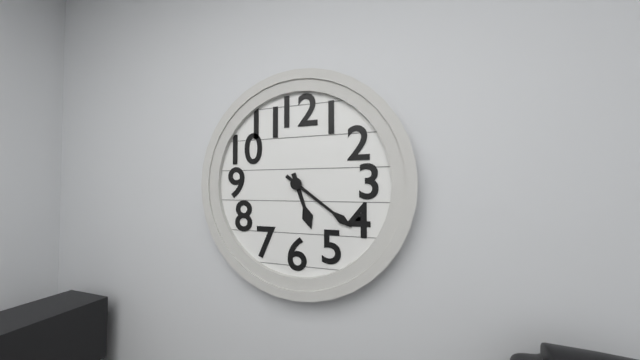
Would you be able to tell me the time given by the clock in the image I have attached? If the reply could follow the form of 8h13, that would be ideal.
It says 5h21
